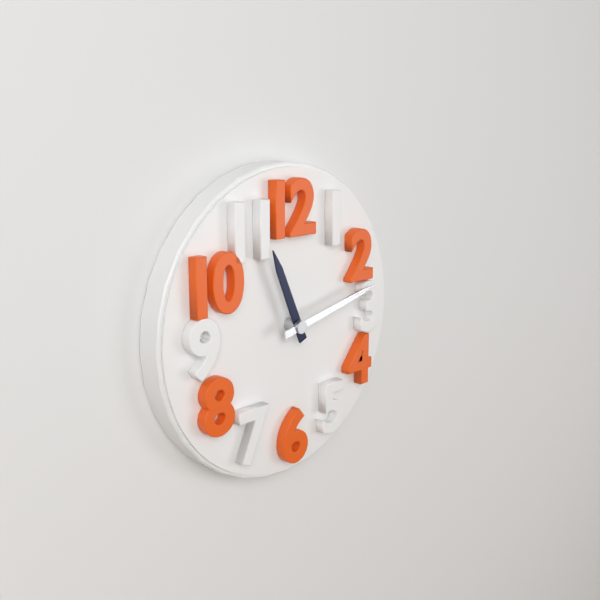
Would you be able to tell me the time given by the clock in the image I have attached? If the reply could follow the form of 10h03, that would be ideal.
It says 11h13
